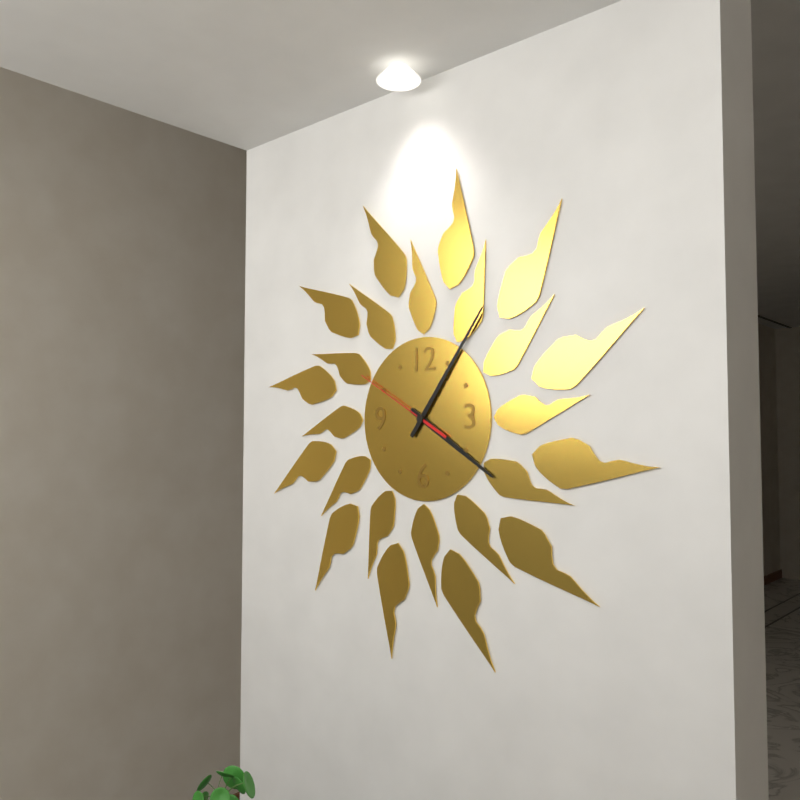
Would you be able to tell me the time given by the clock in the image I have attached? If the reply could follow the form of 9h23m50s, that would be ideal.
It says 4h06m50s
